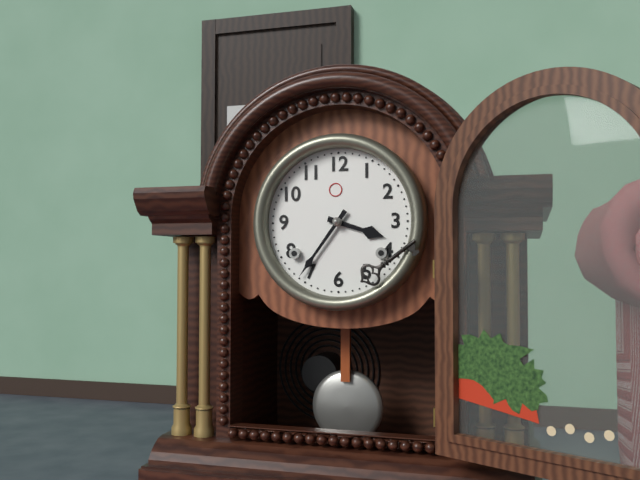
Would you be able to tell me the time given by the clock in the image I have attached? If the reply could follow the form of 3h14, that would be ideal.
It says 3h36
